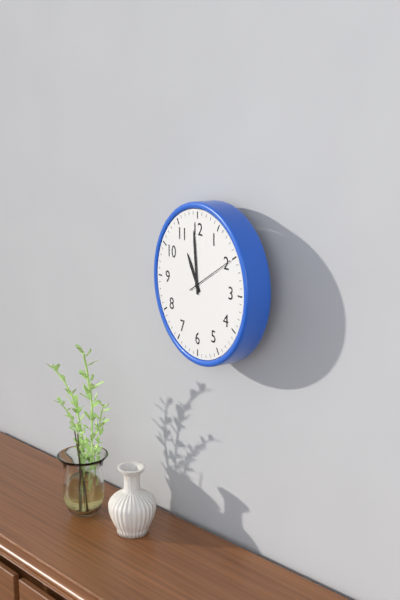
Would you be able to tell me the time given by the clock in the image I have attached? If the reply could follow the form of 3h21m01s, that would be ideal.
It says 10h59m10s
